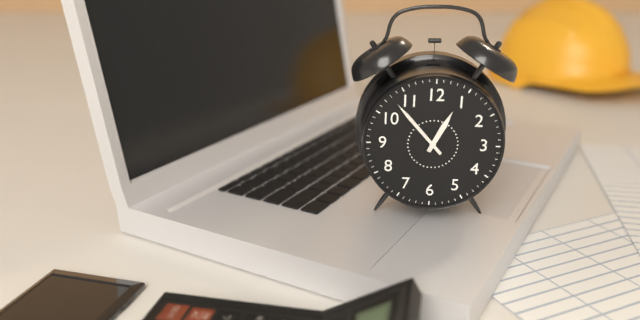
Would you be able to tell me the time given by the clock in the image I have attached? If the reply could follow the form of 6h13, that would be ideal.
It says 12h53
